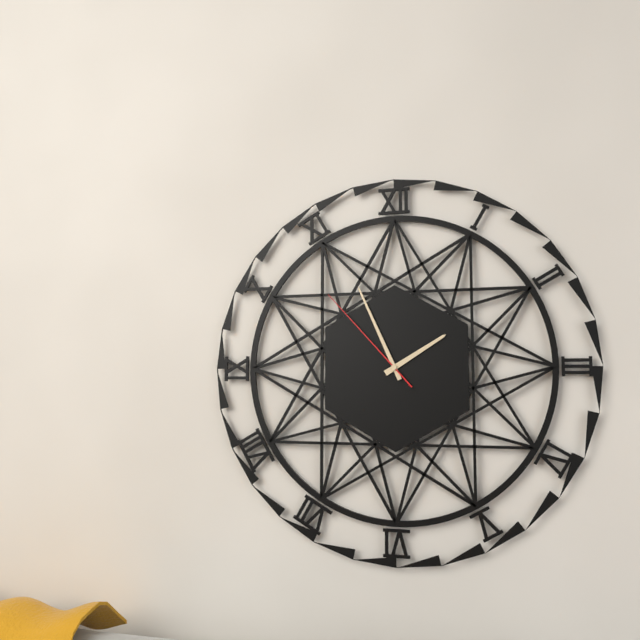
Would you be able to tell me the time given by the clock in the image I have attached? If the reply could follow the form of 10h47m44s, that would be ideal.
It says 1h56m53s
